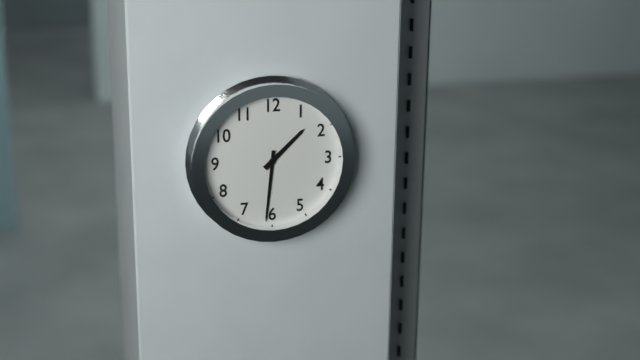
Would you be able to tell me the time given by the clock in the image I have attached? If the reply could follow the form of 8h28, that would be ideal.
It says 1h31
